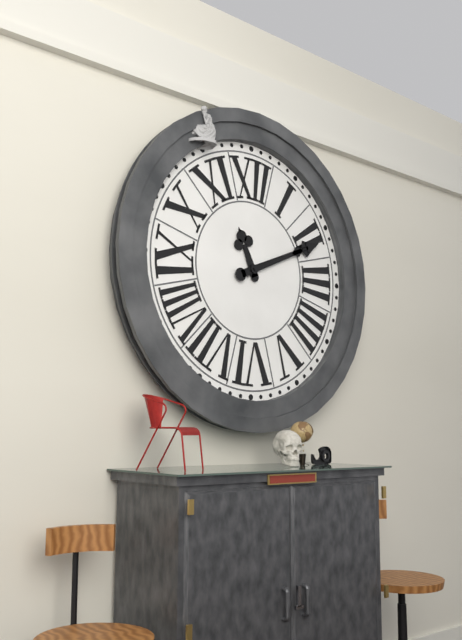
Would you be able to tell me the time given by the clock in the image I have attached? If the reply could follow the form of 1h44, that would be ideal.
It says 11h11
